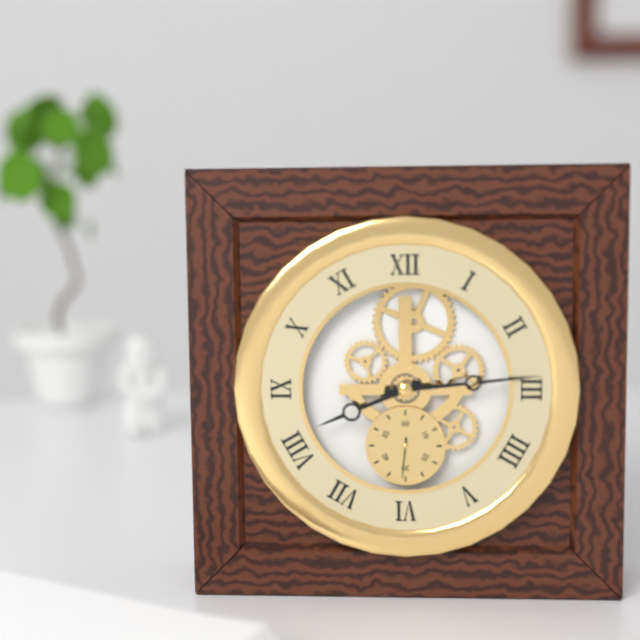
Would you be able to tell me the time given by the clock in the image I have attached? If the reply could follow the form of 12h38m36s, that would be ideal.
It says 8h14m31s
